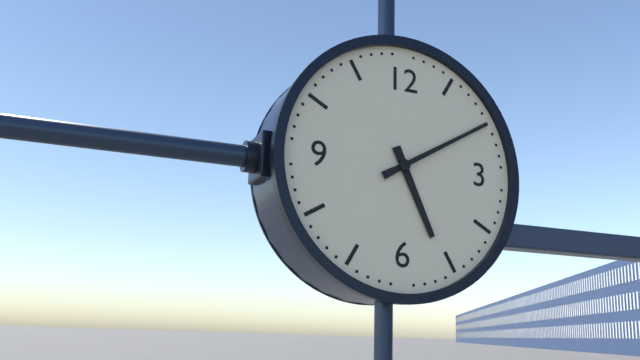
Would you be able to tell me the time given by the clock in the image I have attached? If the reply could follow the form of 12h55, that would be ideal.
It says 5h10
